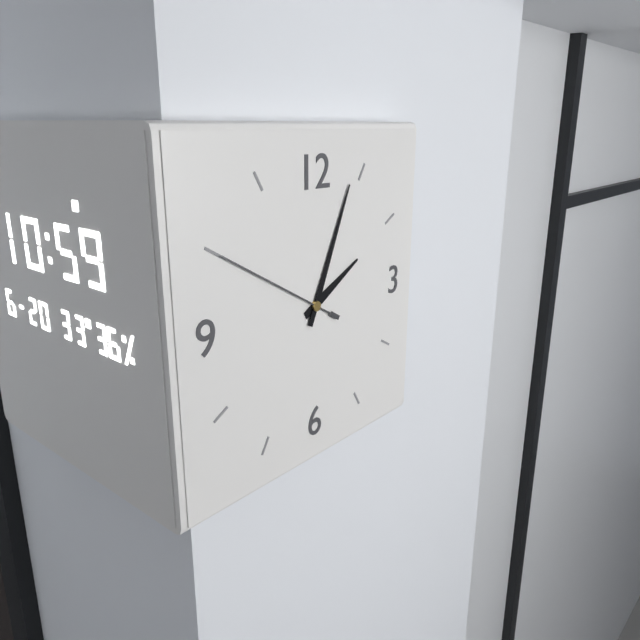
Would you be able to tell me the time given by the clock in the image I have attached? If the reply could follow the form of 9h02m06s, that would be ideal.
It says 2h04m50s
